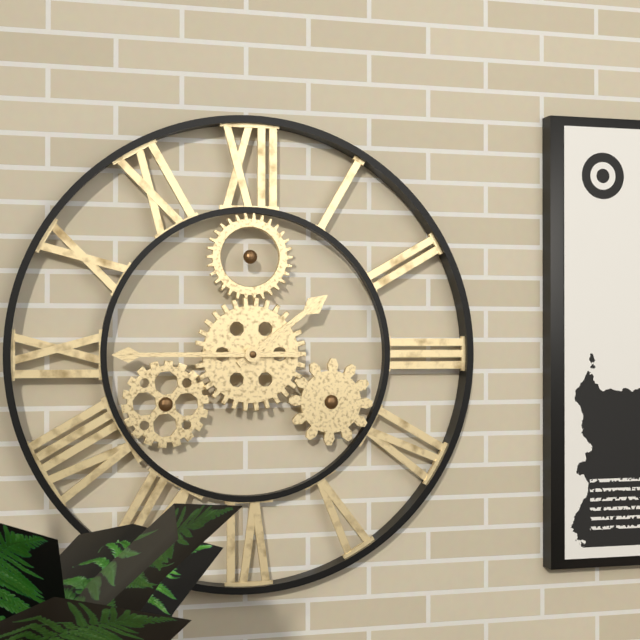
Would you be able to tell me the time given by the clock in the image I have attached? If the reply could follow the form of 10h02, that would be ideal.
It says 1h45
